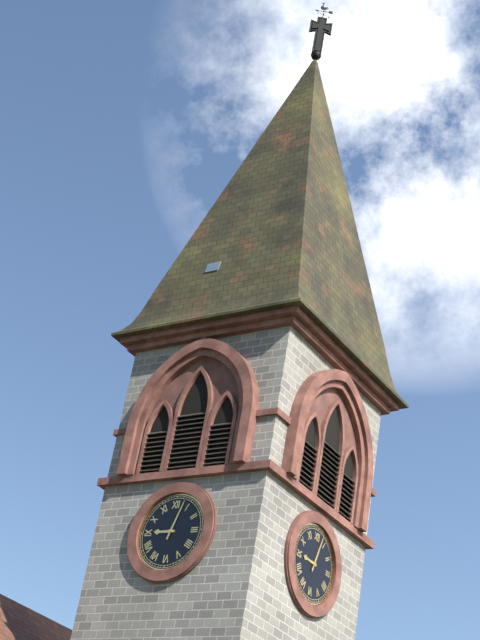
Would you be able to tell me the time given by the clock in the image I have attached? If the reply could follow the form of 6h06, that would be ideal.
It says 9h03
